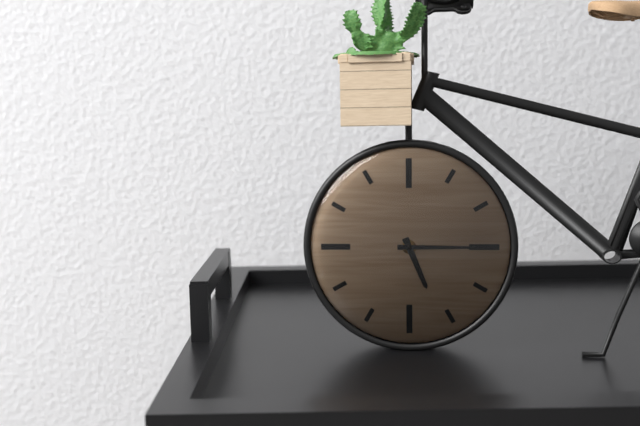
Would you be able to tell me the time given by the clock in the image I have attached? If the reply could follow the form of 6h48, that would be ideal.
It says 5h15
